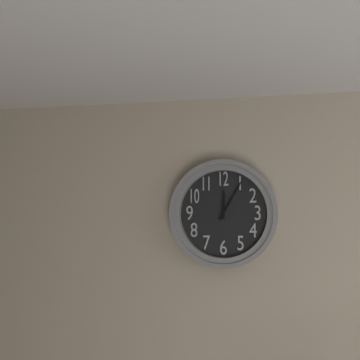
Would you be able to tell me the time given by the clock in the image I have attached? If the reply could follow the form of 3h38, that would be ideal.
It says 12h05
